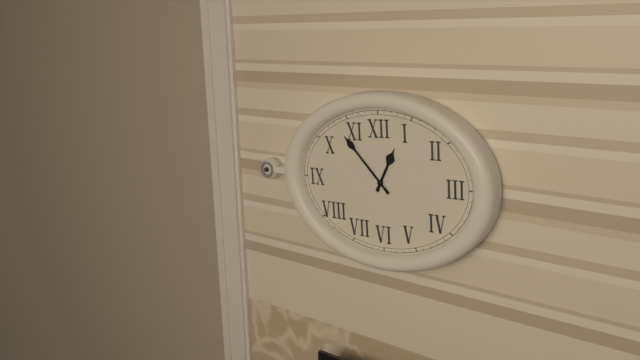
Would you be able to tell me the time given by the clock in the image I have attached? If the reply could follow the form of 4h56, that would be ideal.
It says 12h53
